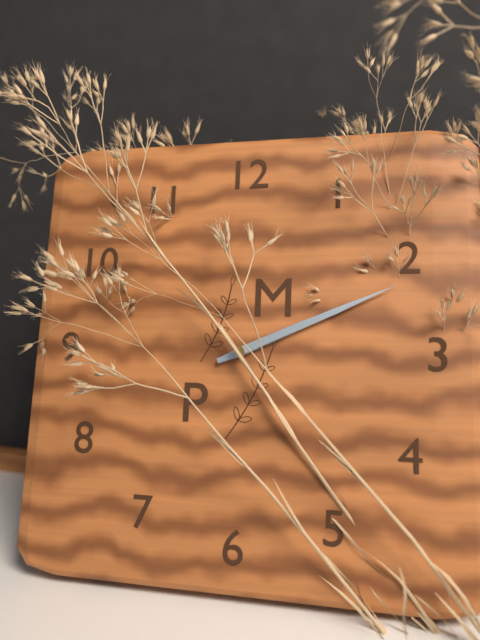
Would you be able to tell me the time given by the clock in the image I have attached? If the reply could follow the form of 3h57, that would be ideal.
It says 2h11
